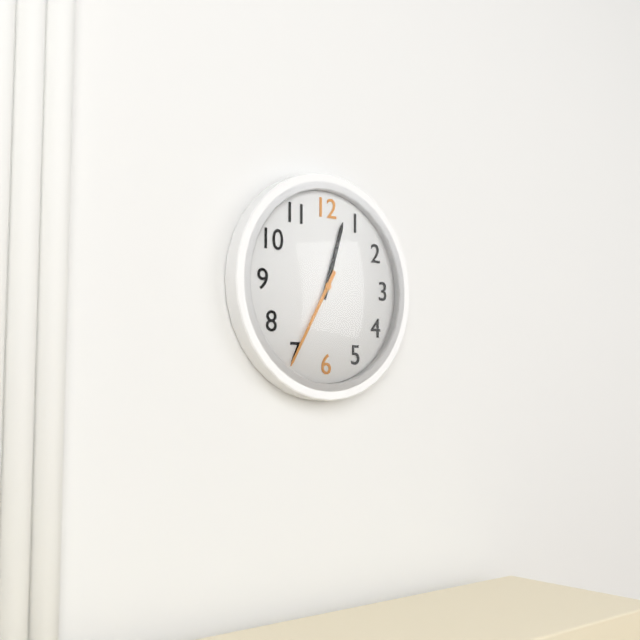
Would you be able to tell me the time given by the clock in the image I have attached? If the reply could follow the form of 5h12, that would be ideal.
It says 12h35
